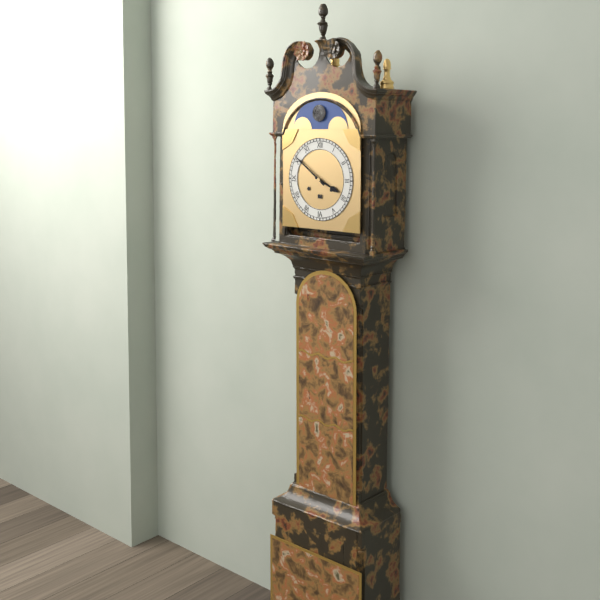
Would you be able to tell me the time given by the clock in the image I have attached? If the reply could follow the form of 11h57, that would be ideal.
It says 3h51
